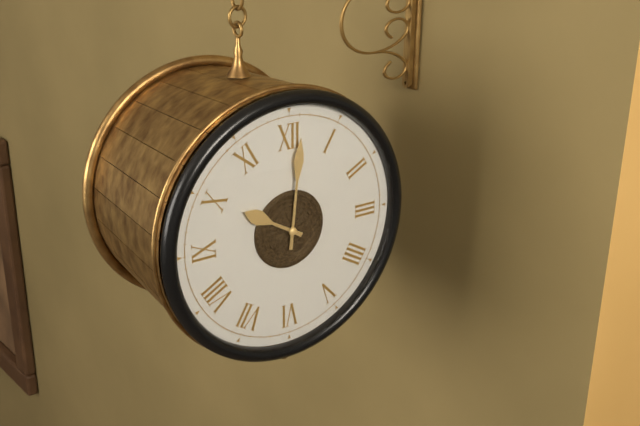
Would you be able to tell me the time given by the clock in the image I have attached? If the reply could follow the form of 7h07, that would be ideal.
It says 10h01
